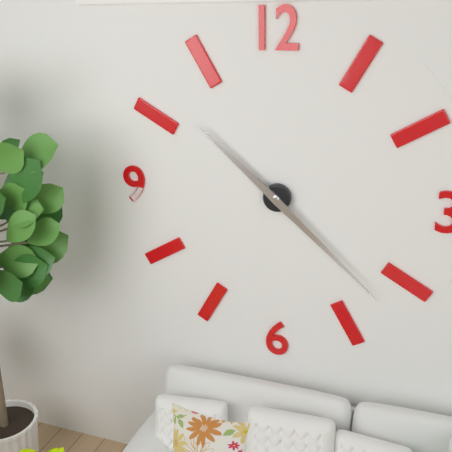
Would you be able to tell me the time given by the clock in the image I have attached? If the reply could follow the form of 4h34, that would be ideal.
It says 10h22
